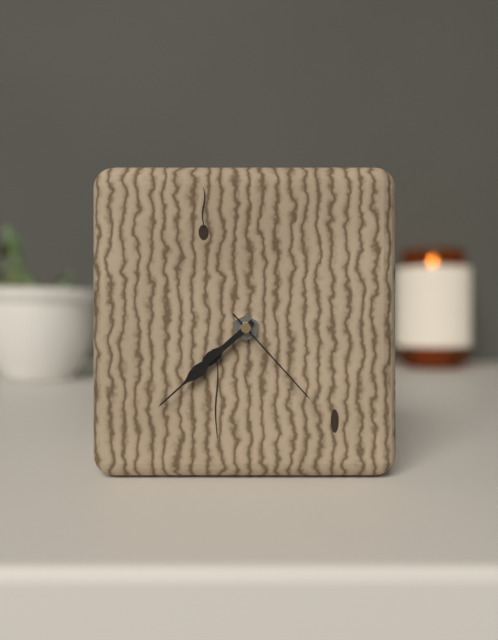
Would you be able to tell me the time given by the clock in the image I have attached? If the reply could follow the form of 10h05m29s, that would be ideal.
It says 7h38m23s
